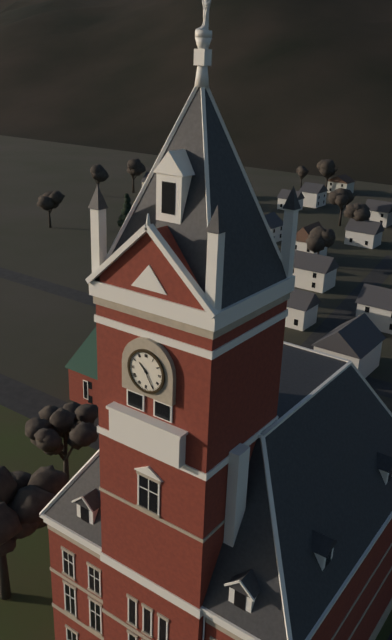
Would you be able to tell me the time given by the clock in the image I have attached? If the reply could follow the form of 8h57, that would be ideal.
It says 10h25
